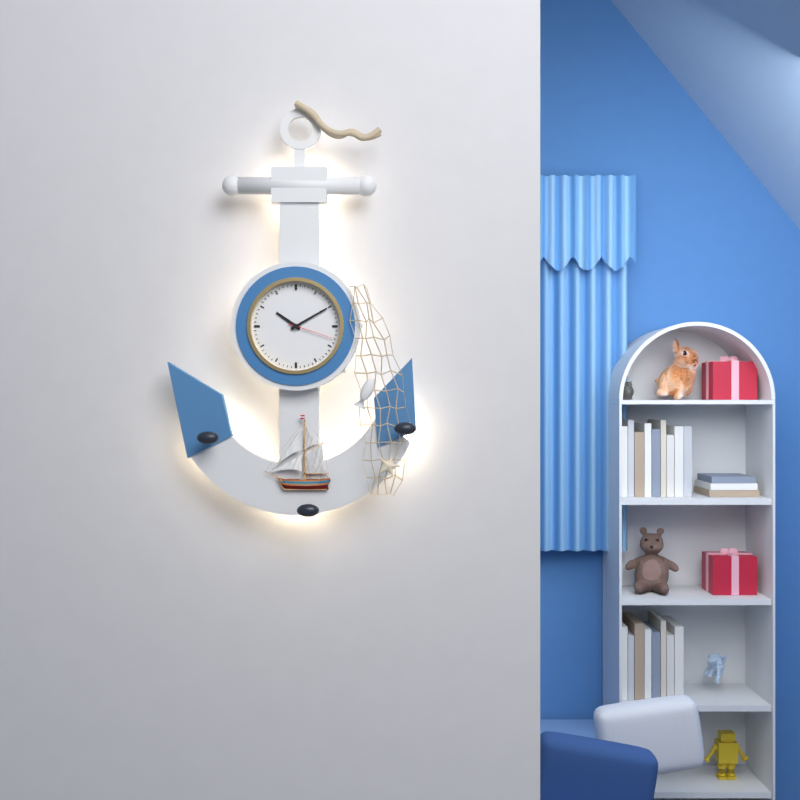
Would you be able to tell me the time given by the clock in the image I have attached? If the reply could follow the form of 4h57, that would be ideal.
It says 10h10
